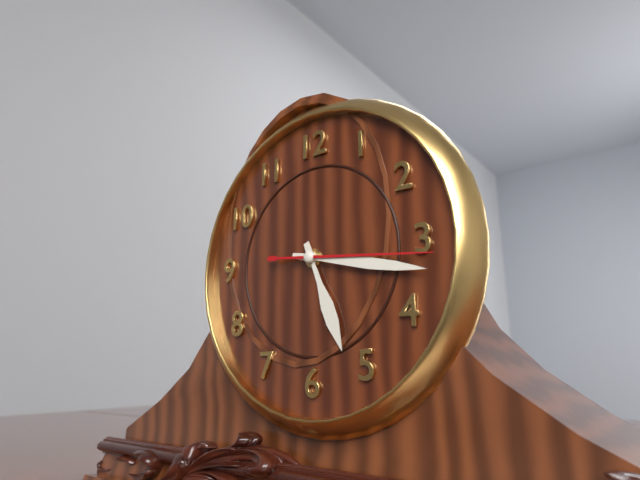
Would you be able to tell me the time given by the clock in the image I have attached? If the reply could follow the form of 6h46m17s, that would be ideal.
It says 5h17m16s
